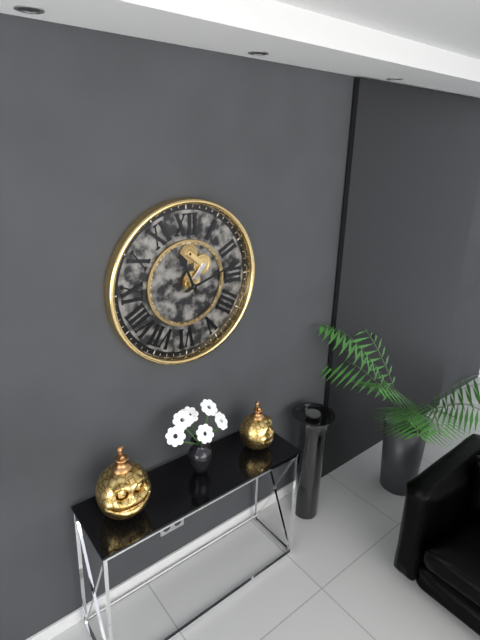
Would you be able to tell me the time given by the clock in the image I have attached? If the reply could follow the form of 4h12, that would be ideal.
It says 11h12
